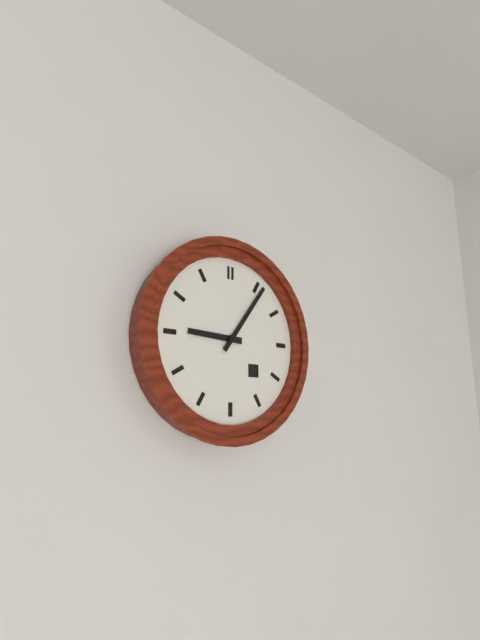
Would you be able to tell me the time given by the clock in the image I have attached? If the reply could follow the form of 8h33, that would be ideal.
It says 9h06
